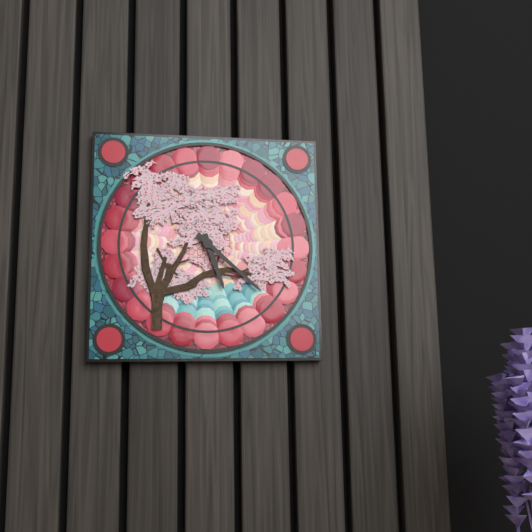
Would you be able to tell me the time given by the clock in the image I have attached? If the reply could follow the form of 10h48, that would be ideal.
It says 5h22
